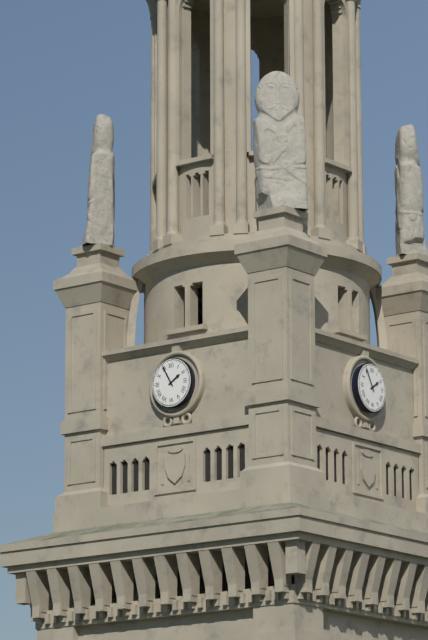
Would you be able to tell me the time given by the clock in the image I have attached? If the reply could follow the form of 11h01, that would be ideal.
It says 1h55
